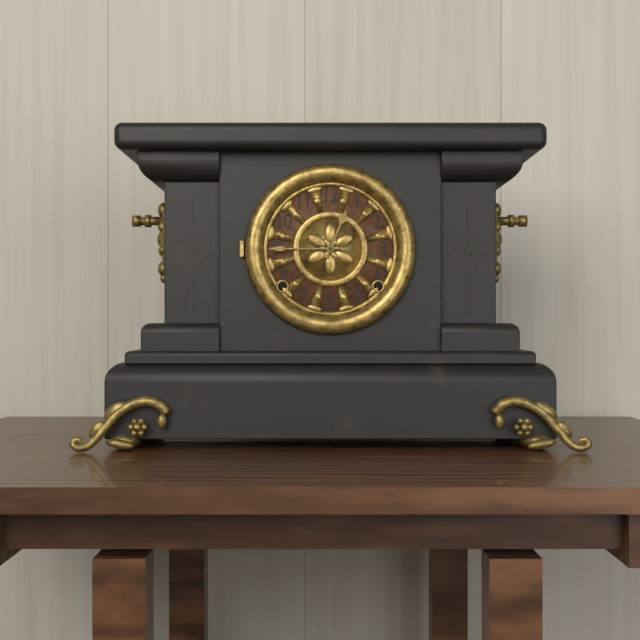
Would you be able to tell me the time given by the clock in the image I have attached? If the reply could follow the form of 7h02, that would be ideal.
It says 12h45
